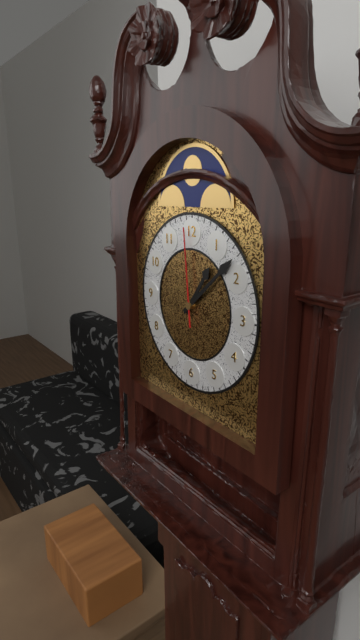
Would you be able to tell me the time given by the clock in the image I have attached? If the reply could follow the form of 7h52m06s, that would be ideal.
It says 1h08m59s
